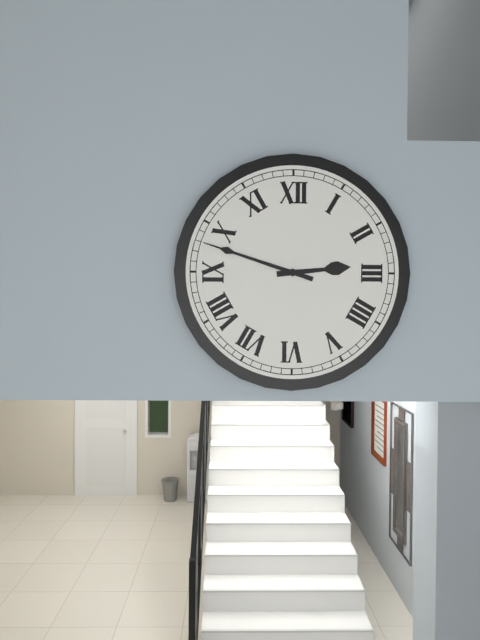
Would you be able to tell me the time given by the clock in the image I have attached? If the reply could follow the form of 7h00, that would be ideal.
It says 2h48
